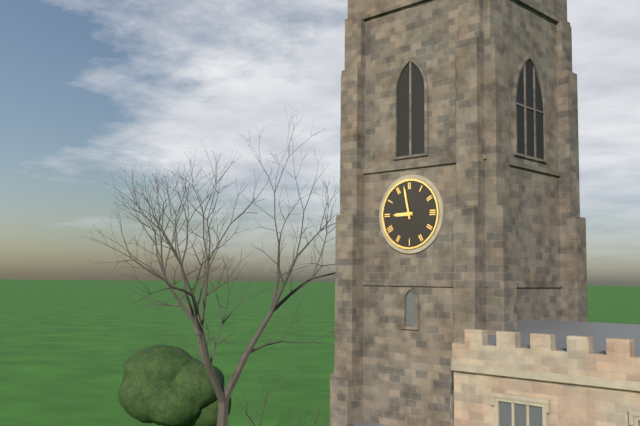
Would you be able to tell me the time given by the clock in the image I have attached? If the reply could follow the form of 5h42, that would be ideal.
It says 8h58
